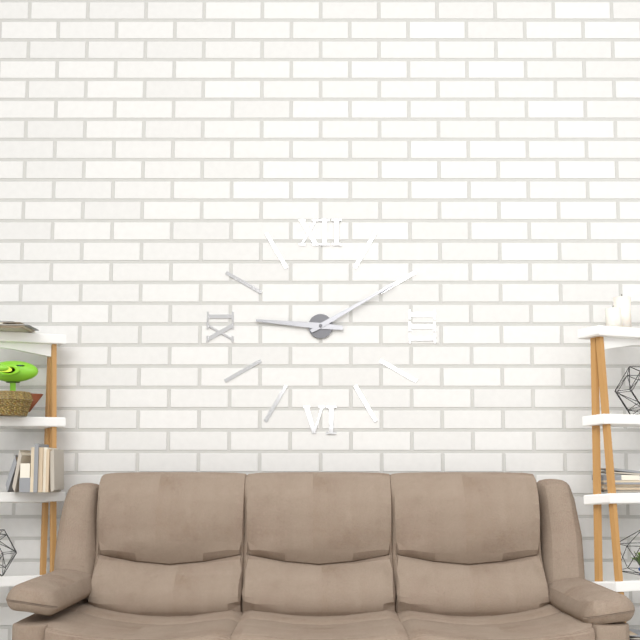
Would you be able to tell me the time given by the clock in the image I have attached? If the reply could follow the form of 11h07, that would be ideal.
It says 9h10
